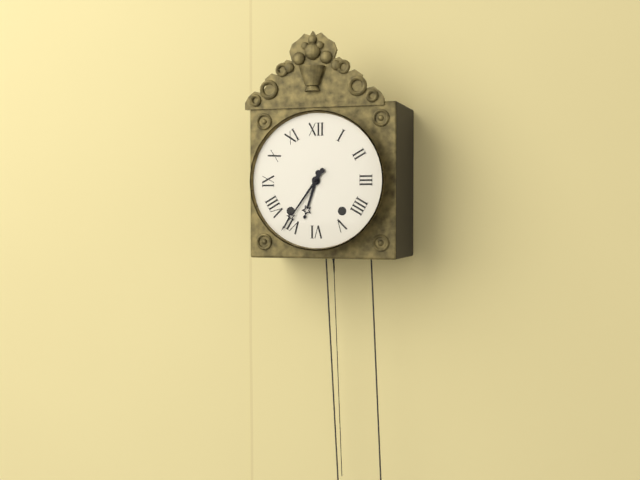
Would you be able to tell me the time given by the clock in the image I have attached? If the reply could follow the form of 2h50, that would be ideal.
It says 6h36
